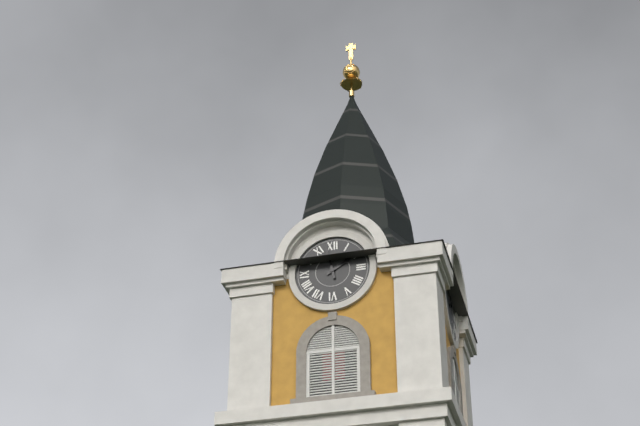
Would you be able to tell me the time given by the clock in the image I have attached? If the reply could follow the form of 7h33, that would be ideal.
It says 1h58
